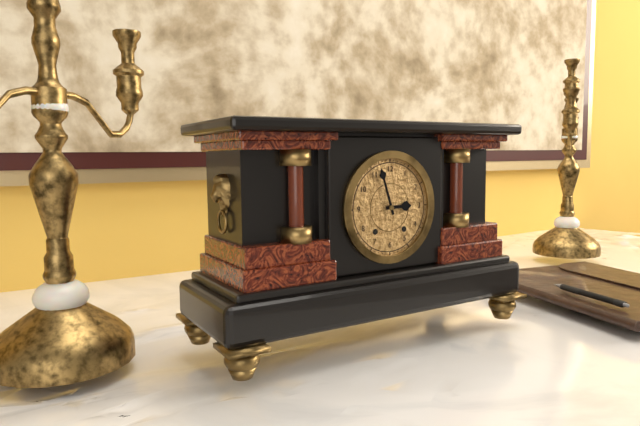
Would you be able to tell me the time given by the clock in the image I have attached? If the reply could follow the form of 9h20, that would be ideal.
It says 2h57
